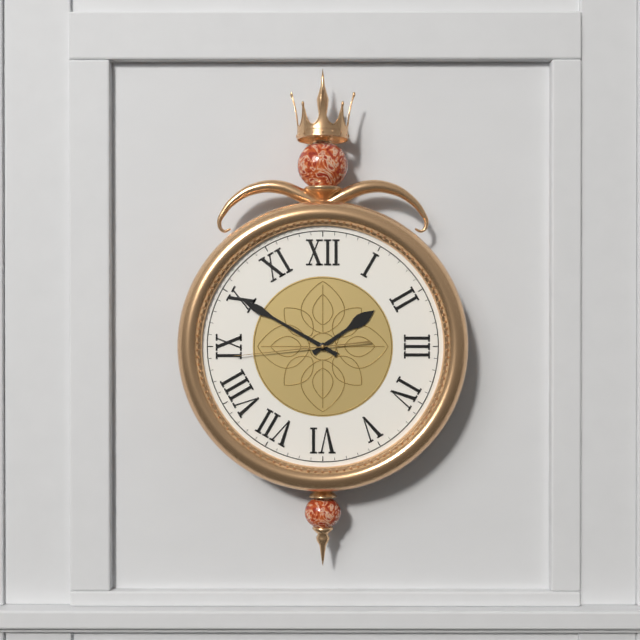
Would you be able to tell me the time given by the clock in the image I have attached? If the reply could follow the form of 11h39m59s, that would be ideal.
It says 1h50m44s
